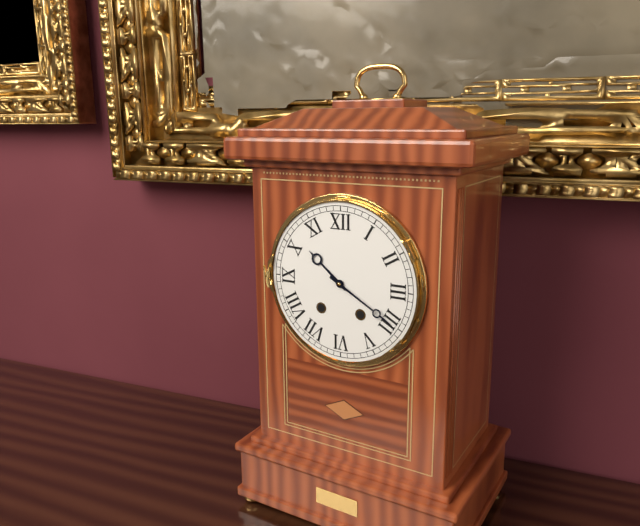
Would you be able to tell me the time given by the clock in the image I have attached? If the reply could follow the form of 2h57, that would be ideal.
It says 10h20
